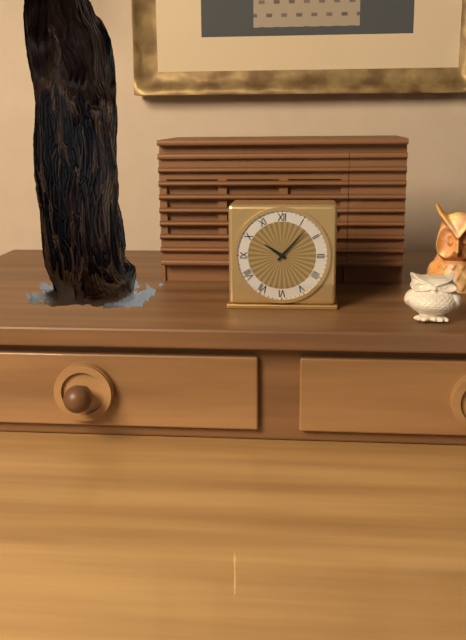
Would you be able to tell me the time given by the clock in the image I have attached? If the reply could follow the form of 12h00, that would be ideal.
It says 10h07
